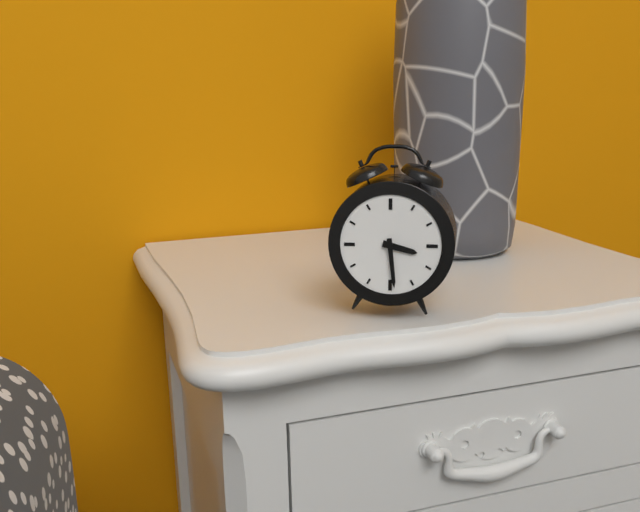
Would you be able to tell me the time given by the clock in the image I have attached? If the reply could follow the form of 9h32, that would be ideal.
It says 3h29
